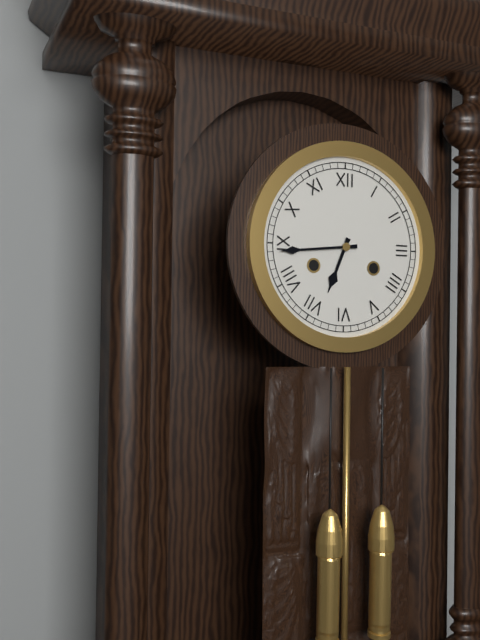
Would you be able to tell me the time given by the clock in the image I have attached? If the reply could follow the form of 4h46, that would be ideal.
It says 6h44
